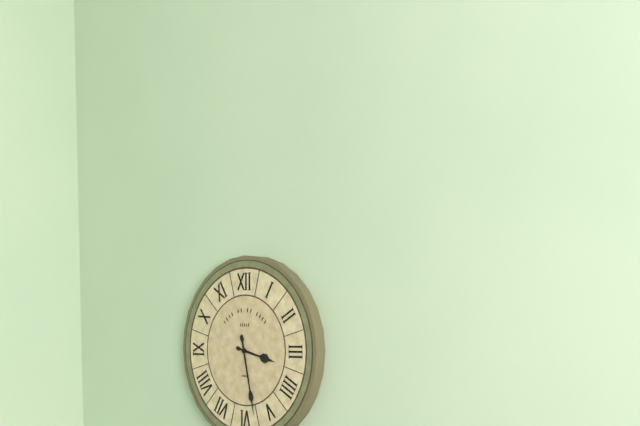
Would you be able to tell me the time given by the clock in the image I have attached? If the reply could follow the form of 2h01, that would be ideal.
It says 3h28
